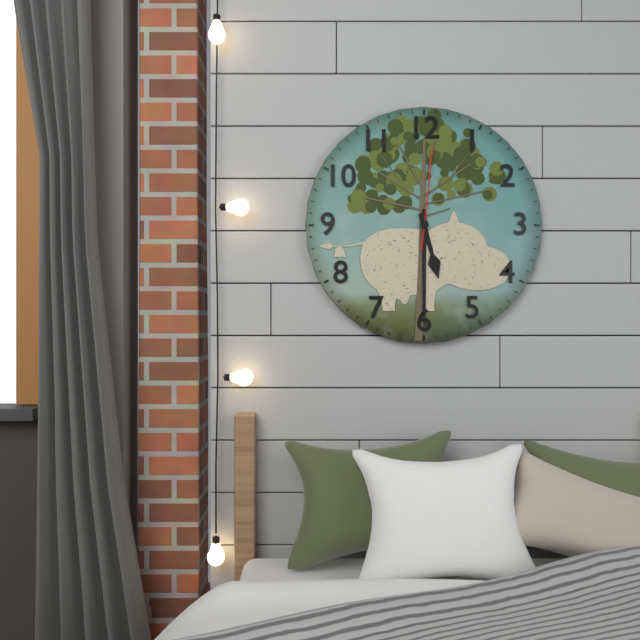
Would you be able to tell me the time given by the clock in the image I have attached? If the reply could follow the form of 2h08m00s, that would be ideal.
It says 5h30m01s
